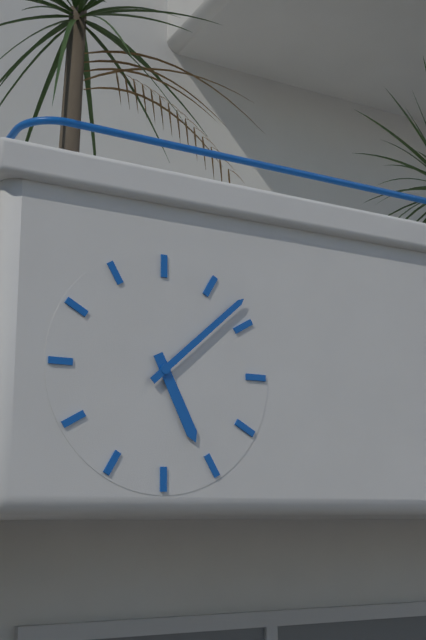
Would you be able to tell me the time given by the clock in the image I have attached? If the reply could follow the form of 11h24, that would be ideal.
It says 5h08
